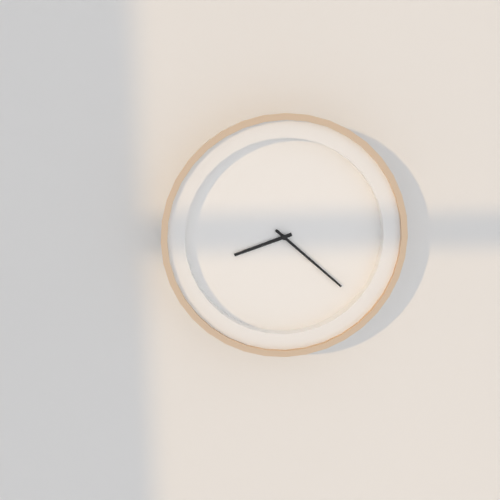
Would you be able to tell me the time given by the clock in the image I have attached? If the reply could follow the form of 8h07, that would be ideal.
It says 8h22
